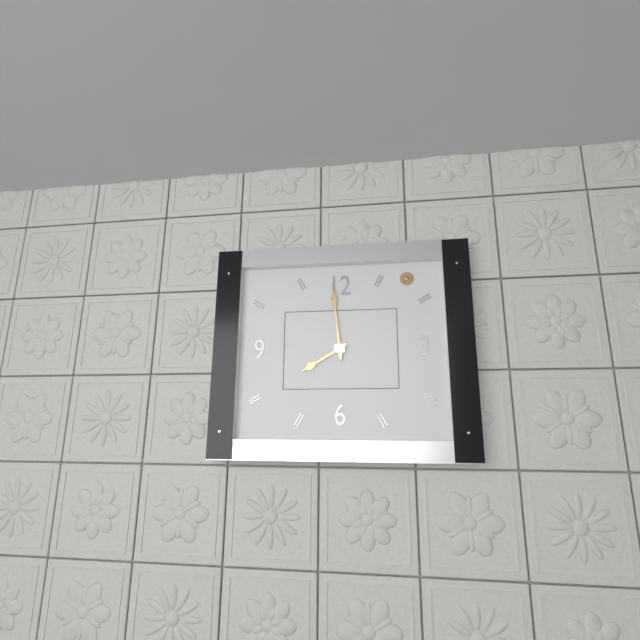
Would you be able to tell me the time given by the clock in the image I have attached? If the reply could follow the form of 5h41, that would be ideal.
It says 7h59
